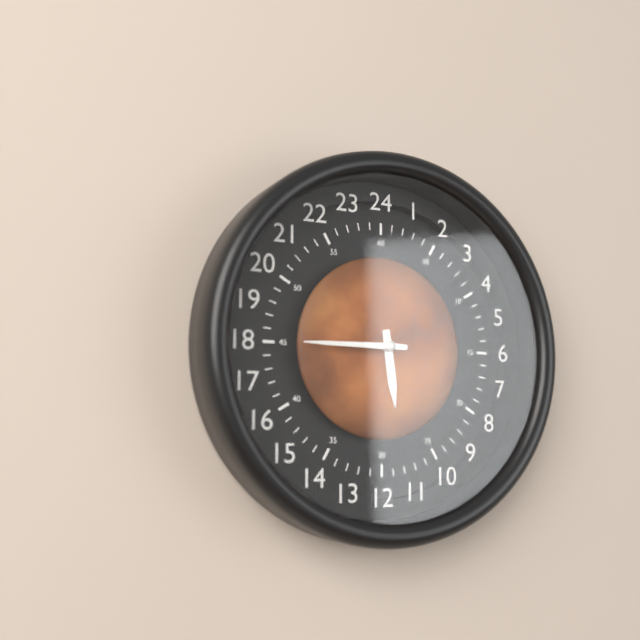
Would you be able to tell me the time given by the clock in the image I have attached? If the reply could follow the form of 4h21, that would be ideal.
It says 5h45
